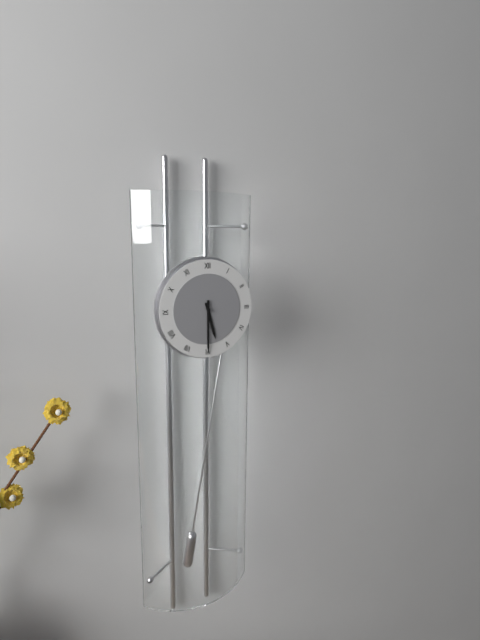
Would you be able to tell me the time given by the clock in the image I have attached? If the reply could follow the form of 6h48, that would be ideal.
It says 5h30
